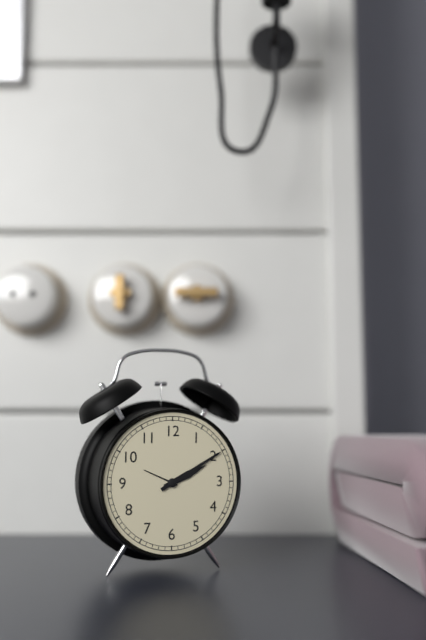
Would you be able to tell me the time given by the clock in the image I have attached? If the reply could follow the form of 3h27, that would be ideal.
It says 2h10
